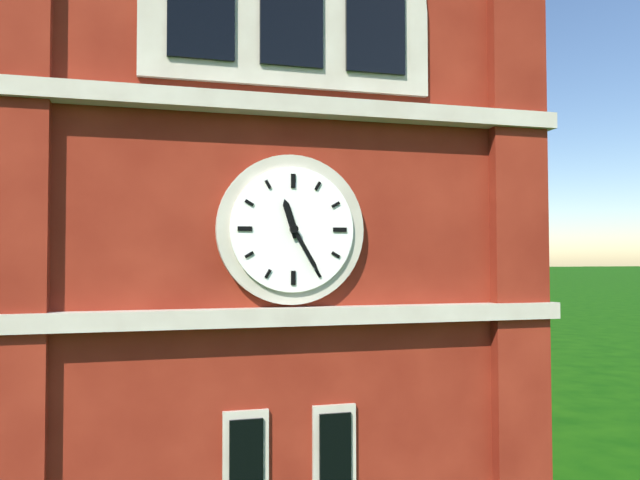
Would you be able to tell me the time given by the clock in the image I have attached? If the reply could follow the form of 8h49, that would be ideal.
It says 11h25
